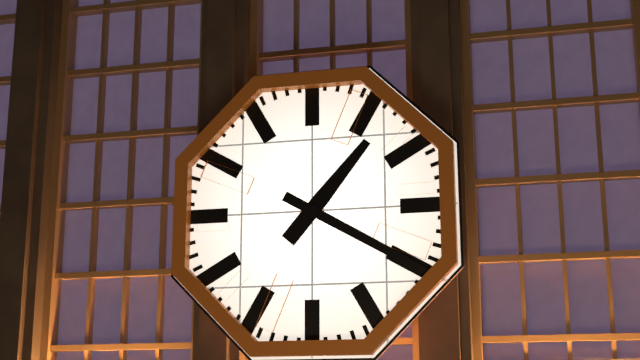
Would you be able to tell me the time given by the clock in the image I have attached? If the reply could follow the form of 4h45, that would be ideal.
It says 1h20
